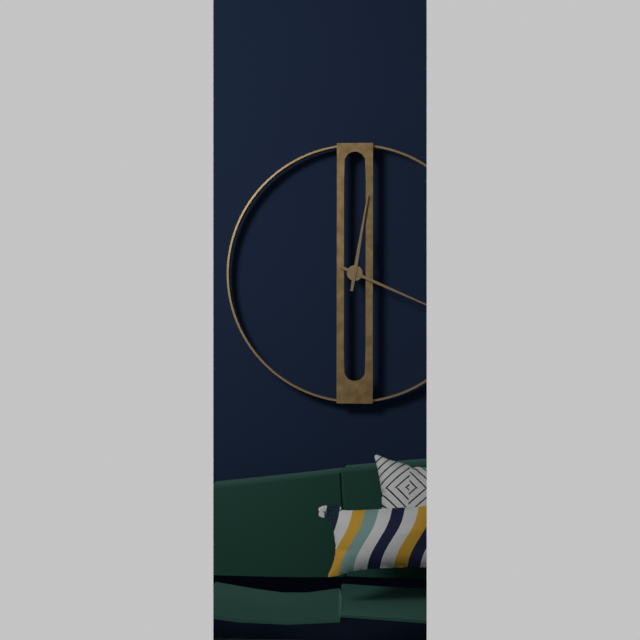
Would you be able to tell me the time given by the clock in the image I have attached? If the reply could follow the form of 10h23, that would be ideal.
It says 12h19
